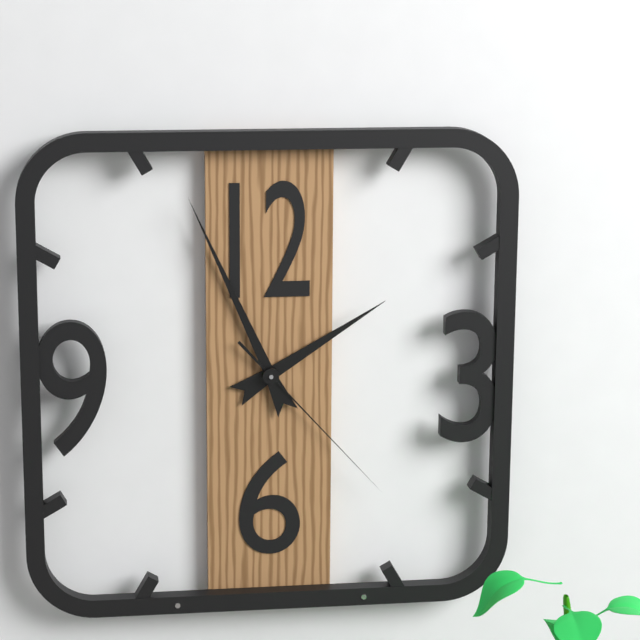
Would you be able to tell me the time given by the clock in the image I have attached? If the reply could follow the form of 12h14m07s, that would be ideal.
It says 1h56m23s
